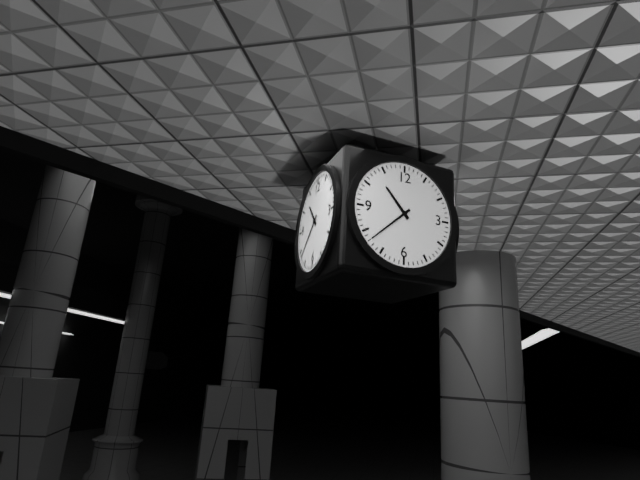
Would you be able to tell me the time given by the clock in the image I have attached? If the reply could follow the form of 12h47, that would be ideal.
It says 10h38
